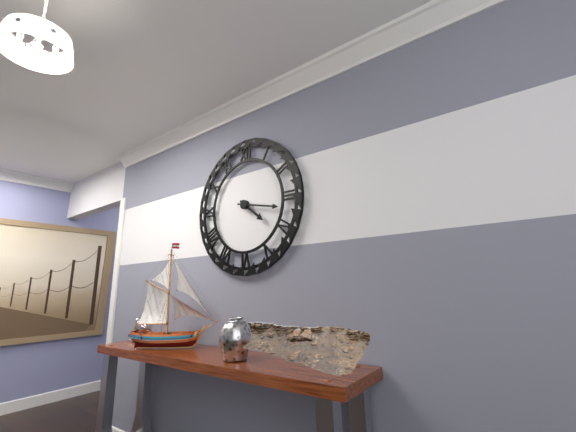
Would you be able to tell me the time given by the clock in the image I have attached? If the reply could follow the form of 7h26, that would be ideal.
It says 4h17
